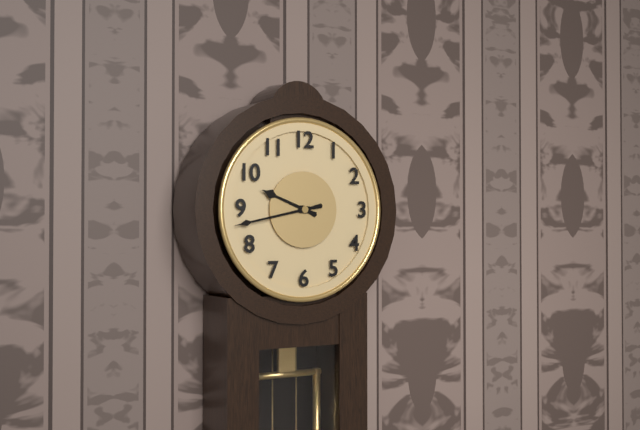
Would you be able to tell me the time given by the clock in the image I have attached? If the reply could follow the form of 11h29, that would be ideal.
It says 9h43
